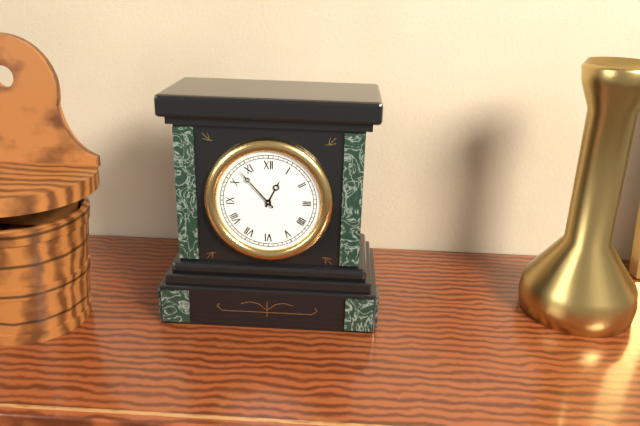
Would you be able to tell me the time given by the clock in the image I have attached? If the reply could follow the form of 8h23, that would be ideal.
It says 12h53
